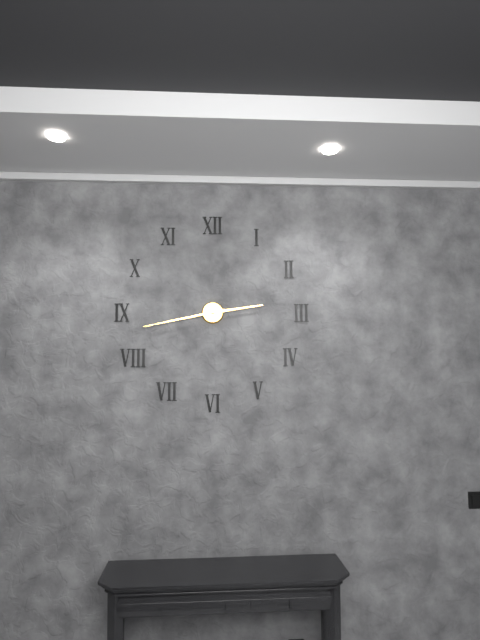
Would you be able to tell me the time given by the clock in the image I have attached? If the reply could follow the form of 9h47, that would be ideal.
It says 2h43
